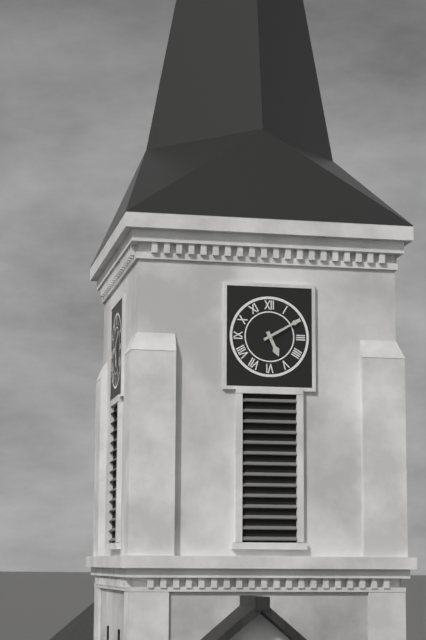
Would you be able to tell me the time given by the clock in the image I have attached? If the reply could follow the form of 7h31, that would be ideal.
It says 5h10
